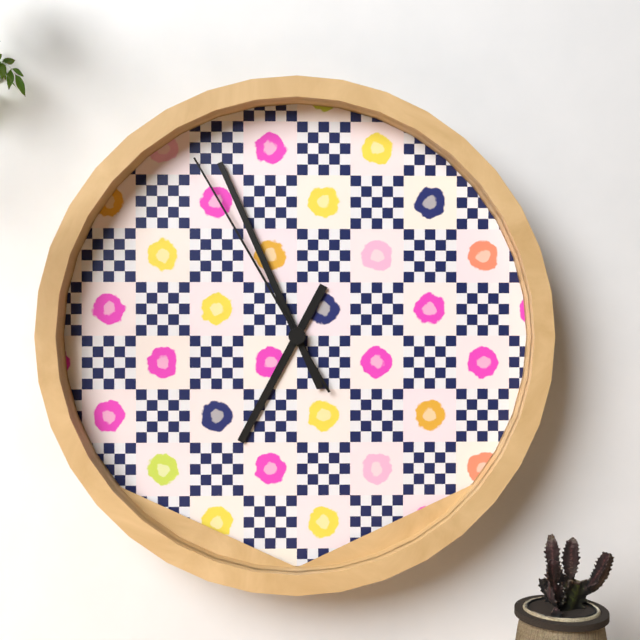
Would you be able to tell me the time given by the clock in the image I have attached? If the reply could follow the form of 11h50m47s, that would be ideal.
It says 6h56m55s
